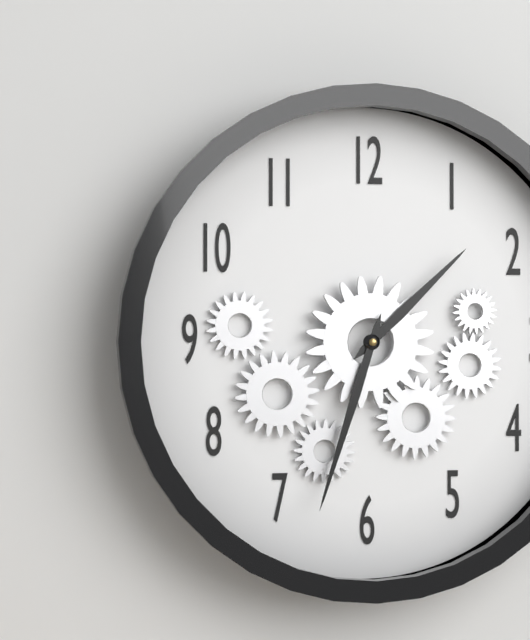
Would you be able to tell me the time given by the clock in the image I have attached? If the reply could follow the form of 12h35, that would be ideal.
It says 1h33
